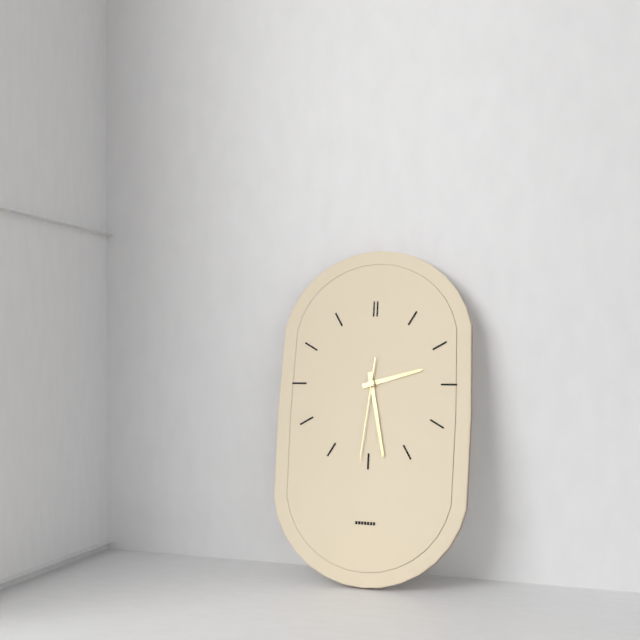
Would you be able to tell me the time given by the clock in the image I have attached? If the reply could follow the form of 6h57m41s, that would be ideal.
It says 2h28m31s
